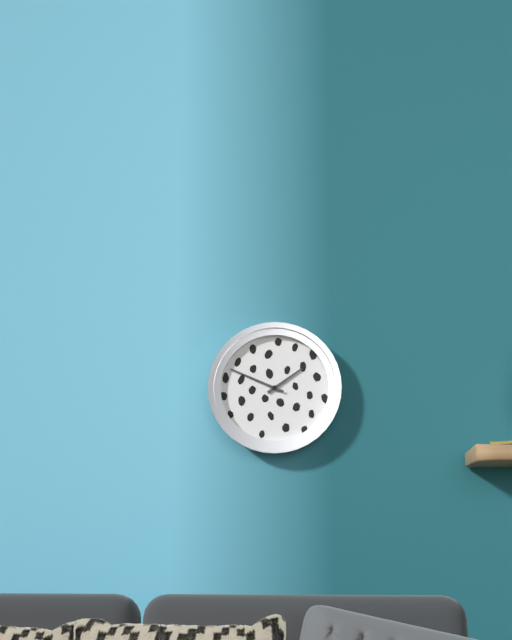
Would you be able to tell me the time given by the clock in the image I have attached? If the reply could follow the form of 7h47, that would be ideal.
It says 1h49
